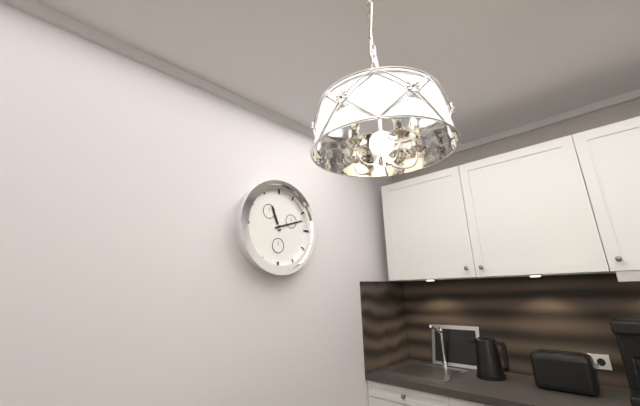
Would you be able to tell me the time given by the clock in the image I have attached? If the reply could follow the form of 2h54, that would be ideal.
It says 11h12
